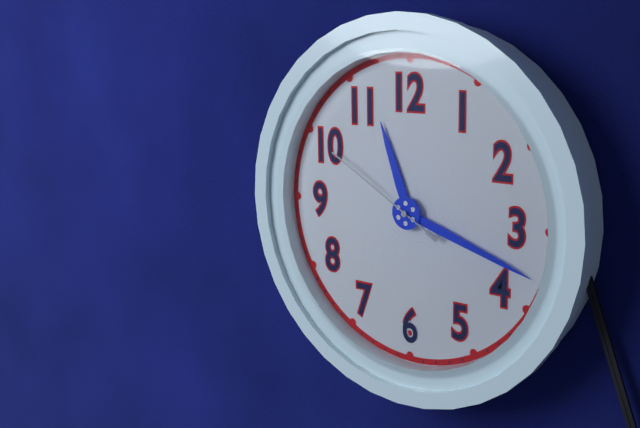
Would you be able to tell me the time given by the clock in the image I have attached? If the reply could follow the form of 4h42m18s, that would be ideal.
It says 11h18m50s
